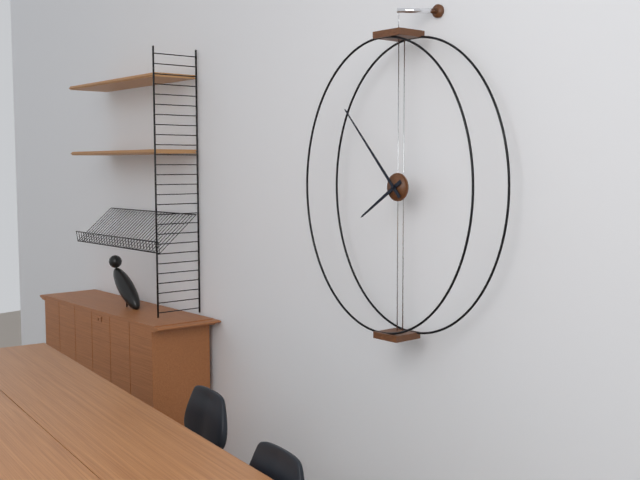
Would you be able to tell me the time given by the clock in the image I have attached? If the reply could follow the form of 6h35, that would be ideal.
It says 7h53
